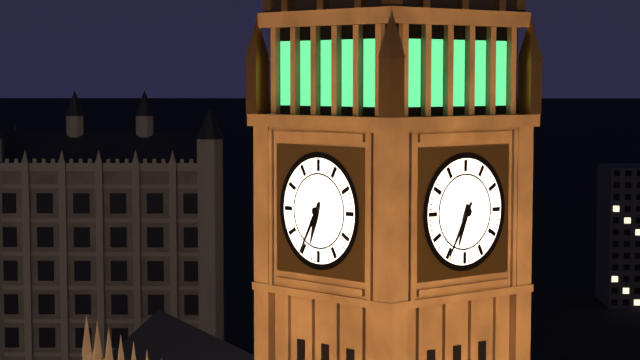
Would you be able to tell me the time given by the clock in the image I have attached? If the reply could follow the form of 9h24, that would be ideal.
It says 6h35
